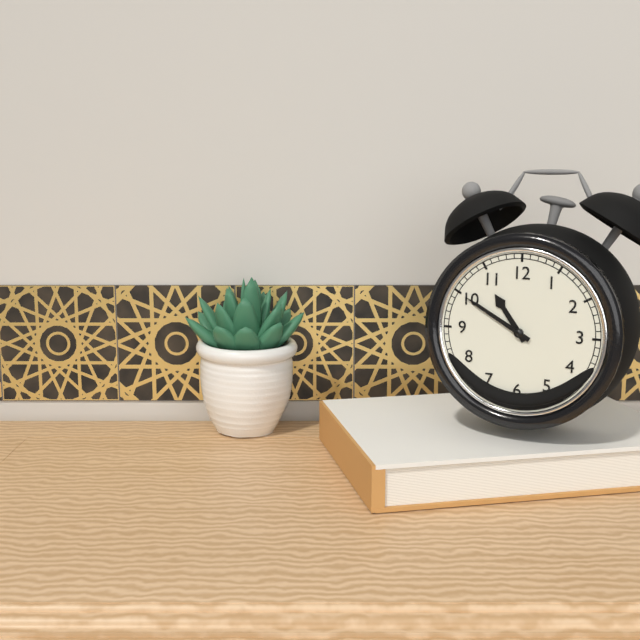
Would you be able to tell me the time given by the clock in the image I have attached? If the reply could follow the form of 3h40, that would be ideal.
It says 10h50
